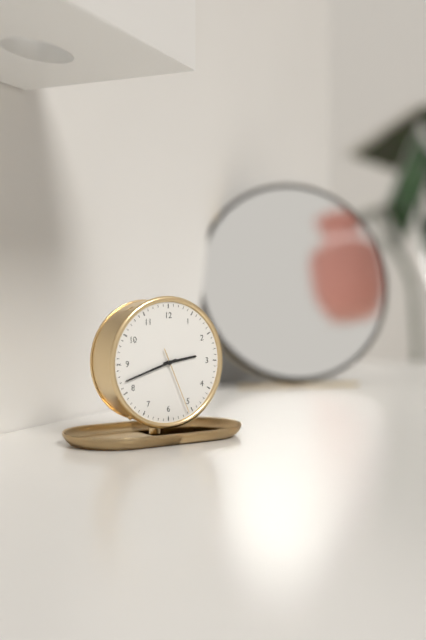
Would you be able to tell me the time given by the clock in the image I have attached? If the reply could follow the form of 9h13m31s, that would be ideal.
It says 2h42m26s
